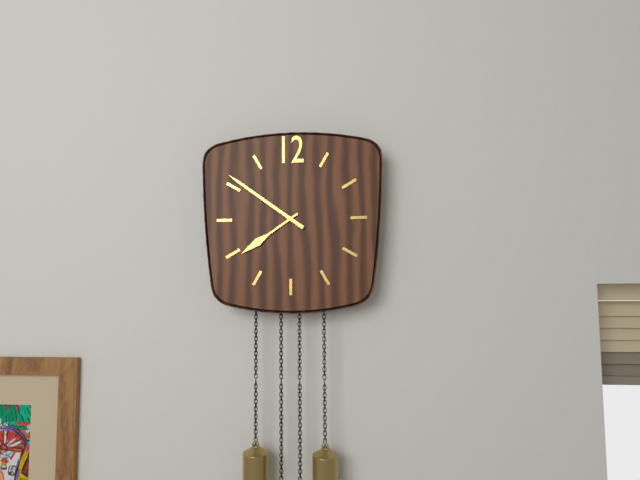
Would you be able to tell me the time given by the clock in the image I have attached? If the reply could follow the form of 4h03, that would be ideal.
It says 7h51
